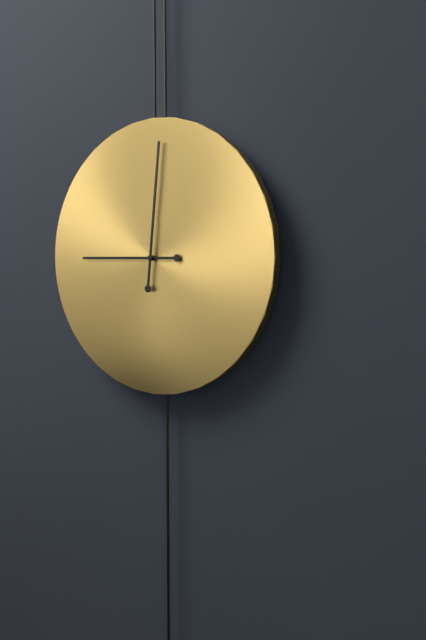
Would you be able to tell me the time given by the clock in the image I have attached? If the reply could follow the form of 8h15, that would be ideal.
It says 9h01
